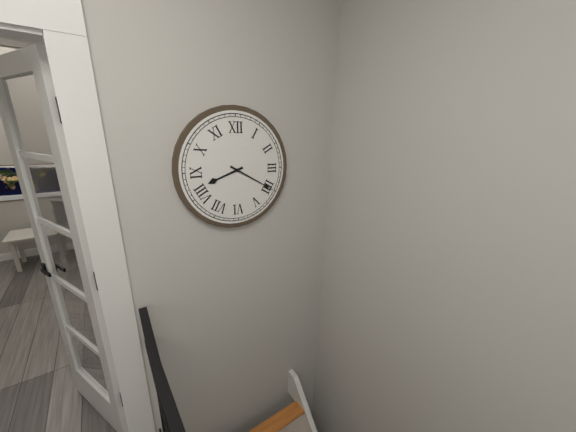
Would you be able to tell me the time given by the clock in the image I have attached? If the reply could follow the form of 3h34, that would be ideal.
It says 8h20
